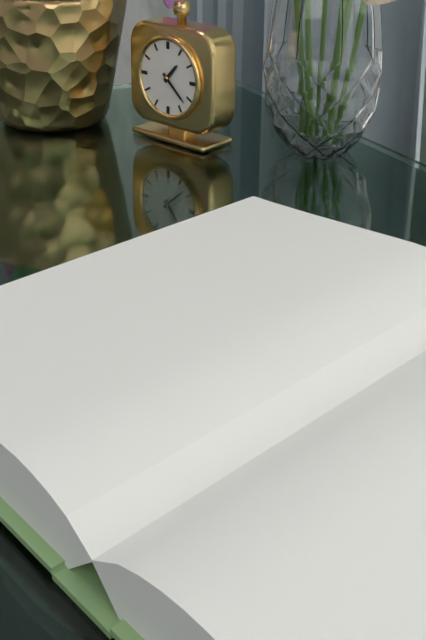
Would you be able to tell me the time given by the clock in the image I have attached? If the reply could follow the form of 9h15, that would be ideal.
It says 1h22
